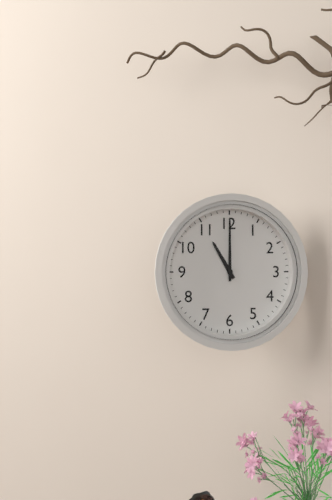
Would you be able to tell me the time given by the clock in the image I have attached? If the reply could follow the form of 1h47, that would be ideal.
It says 11h00
